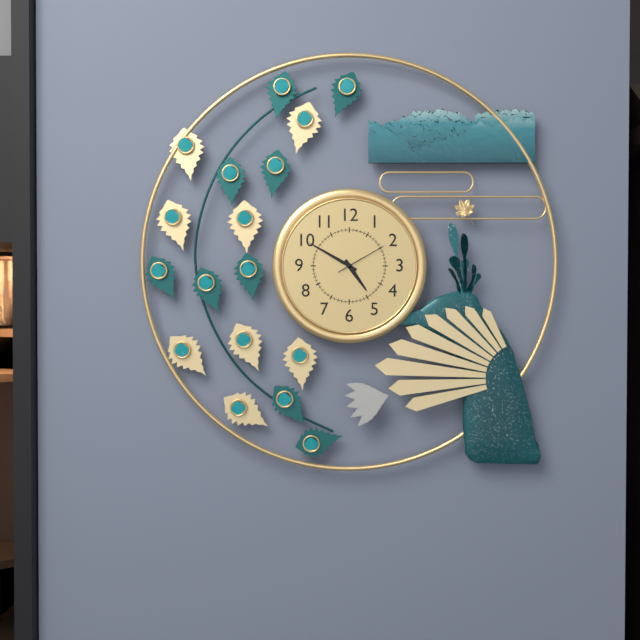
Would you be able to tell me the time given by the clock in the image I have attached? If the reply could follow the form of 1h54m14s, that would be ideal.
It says 4h50m10s
